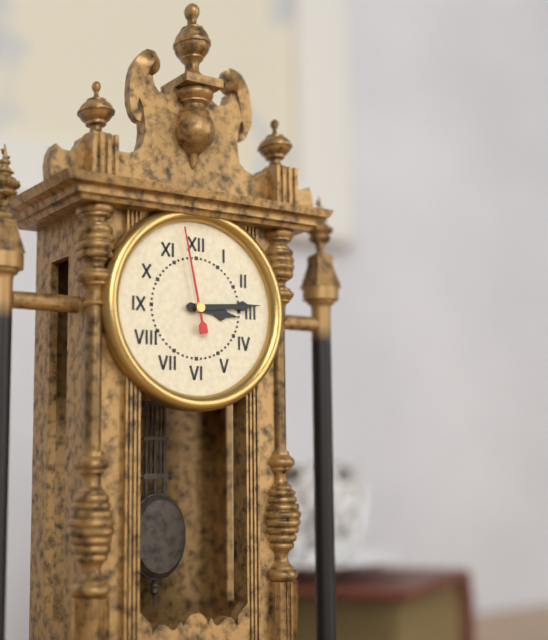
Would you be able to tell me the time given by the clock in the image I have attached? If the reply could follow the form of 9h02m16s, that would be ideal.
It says 3h14m58s
